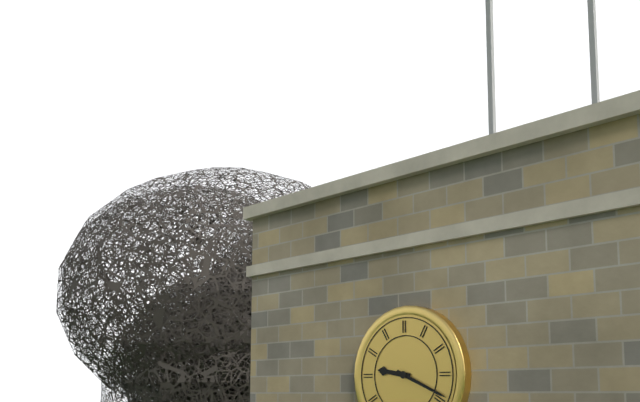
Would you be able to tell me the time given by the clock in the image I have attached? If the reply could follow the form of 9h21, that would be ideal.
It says 9h19
